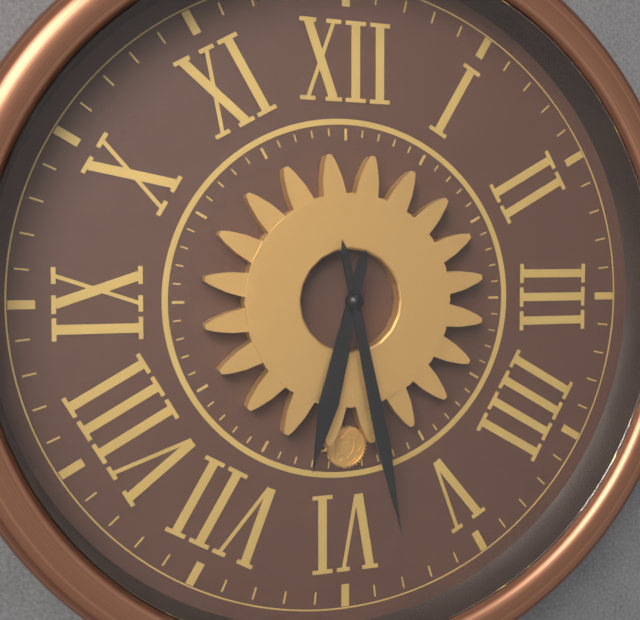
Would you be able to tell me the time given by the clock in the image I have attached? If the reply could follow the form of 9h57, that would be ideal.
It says 6h28
